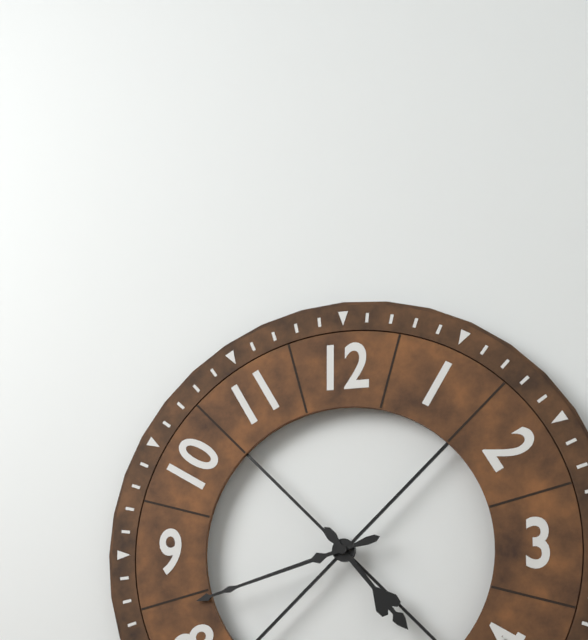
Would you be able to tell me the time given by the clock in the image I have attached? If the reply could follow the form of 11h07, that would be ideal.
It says 4h42
